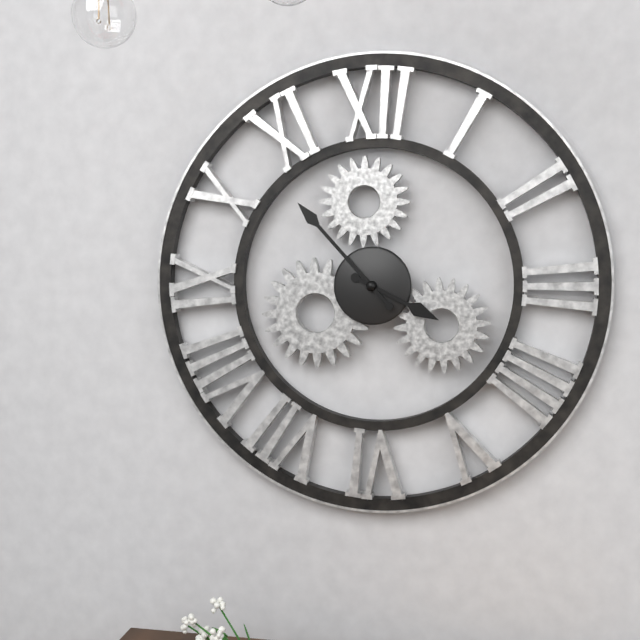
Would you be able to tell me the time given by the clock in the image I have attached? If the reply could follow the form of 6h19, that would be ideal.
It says 3h53
